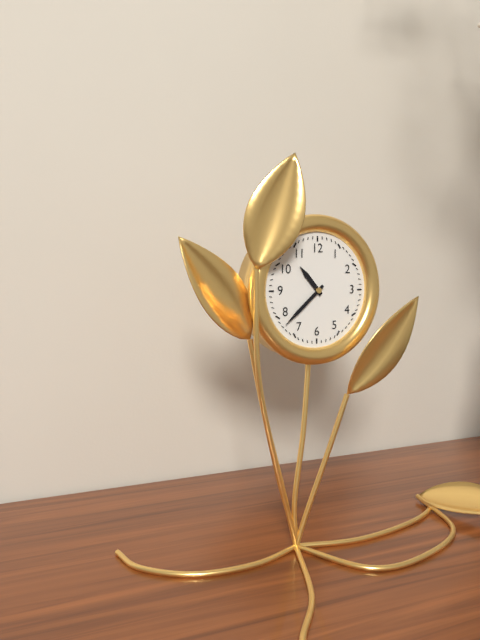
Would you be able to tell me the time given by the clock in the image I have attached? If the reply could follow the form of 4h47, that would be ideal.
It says 10h38
